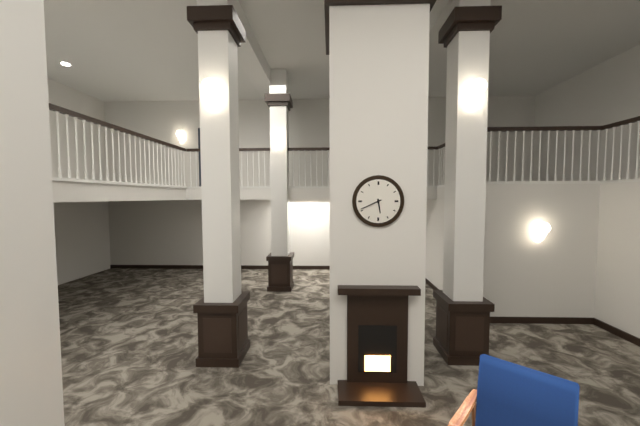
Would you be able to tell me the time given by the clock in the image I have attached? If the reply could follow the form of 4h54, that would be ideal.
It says 5h41
